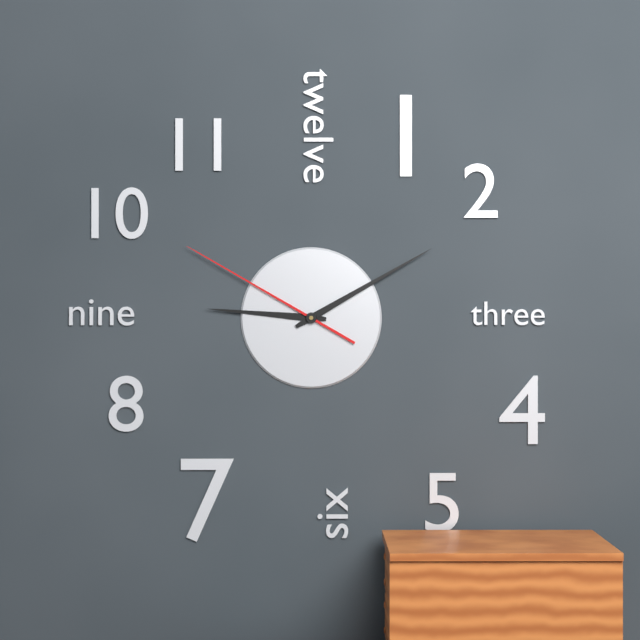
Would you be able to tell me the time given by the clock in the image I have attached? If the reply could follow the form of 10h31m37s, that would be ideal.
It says 9h10m50s
